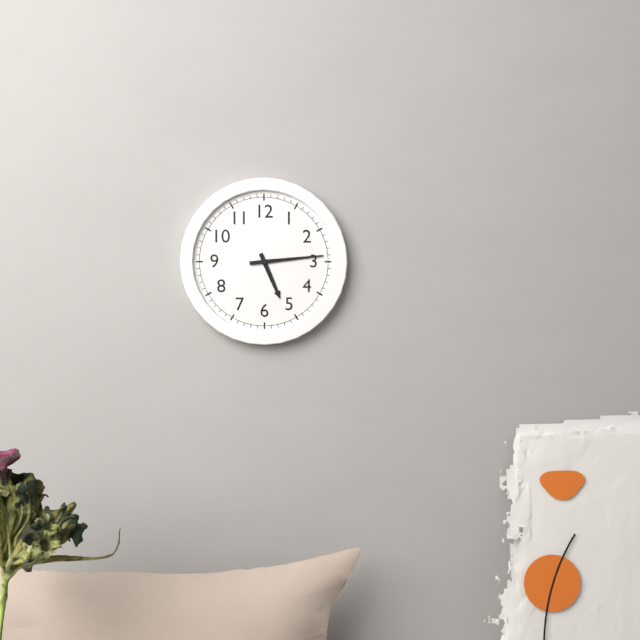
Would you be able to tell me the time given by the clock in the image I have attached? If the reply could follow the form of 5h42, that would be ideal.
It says 5h14
